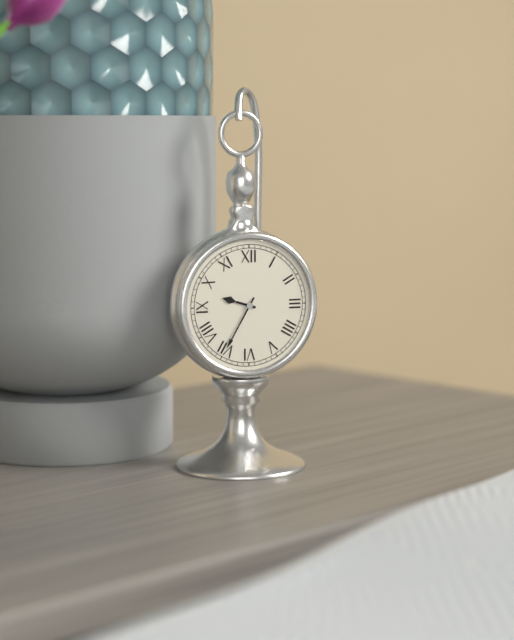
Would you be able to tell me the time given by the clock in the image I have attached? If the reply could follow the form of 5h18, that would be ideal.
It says 9h35
